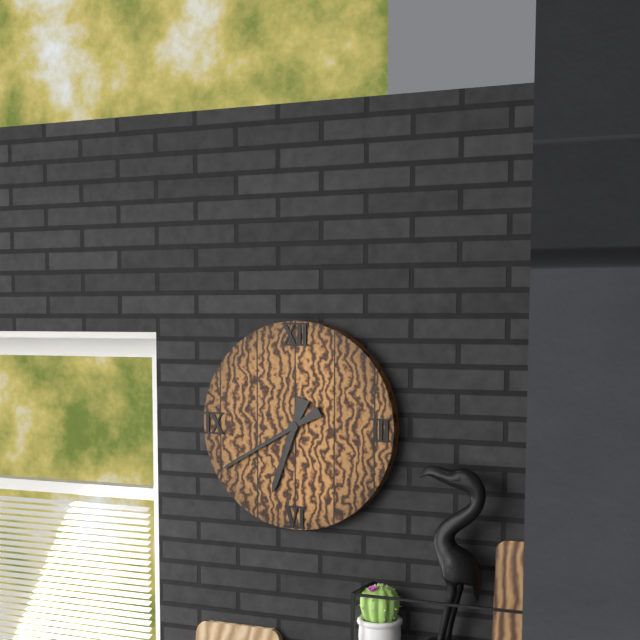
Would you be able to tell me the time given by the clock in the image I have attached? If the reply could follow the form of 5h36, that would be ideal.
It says 6h40
